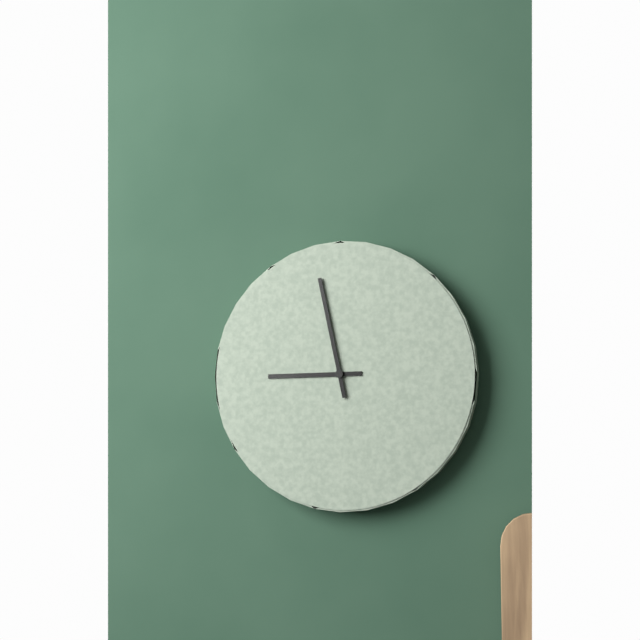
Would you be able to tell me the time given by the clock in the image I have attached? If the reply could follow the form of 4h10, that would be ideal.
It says 8h58
